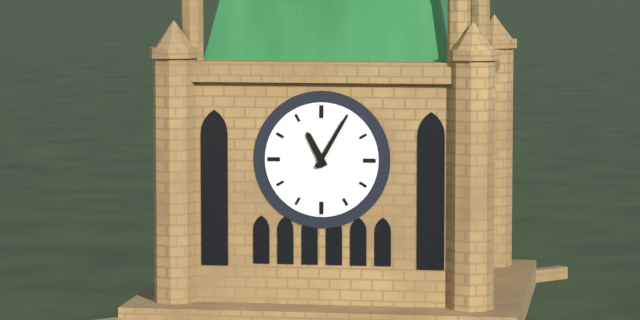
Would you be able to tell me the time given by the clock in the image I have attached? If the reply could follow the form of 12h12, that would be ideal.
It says 11h05
